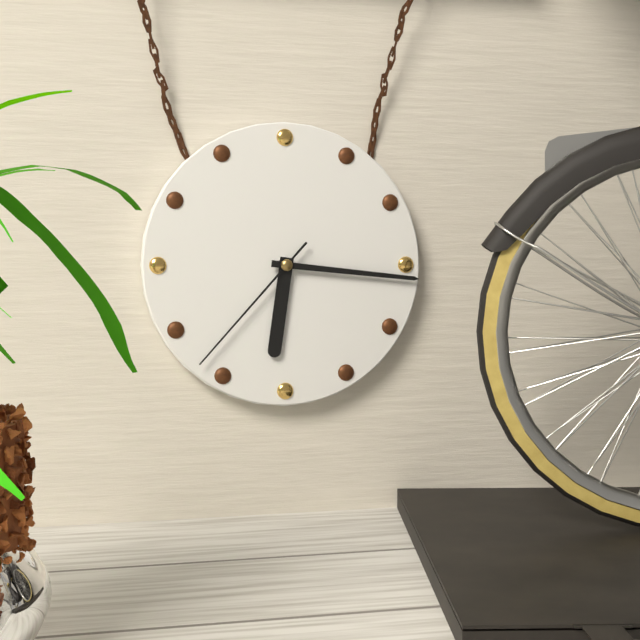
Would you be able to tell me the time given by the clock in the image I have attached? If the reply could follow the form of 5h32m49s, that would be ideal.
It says 6h16m37s
